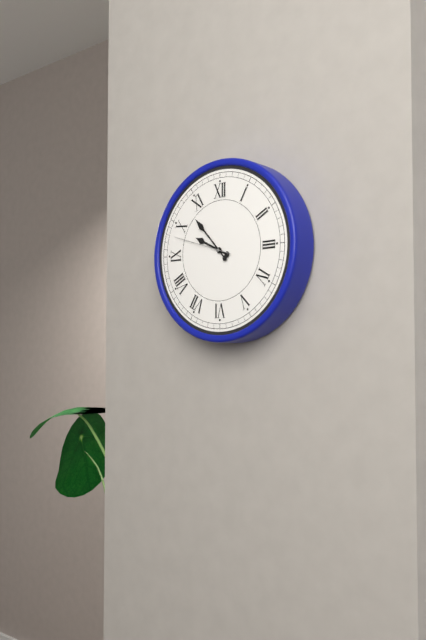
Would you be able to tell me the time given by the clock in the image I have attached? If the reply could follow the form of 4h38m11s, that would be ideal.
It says 9h53m48s
